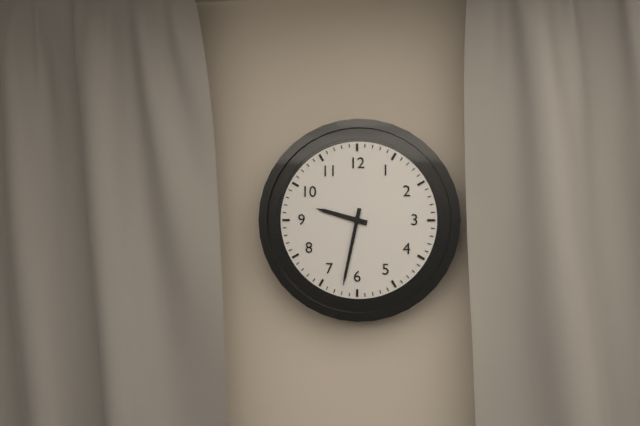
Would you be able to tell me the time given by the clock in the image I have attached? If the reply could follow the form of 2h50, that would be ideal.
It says 9h32
